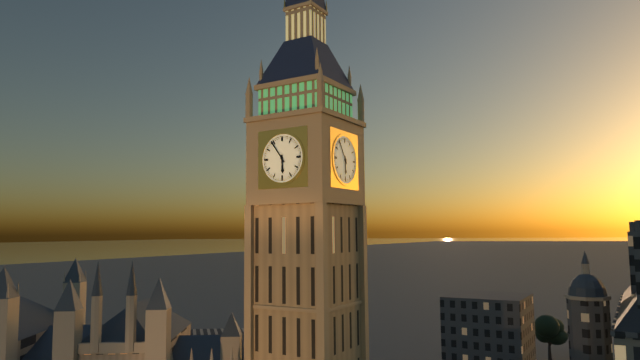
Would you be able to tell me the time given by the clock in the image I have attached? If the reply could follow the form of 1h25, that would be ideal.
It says 5h54
